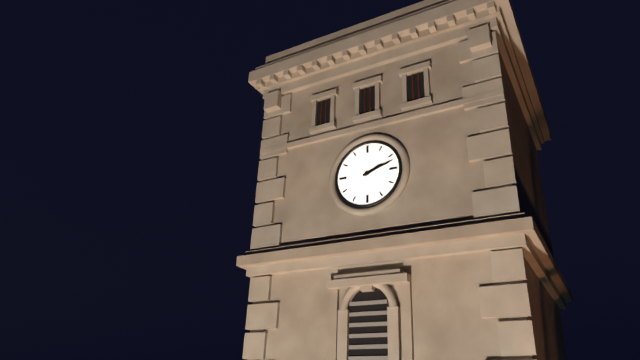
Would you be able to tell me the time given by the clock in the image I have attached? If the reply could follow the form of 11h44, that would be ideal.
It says 2h12
